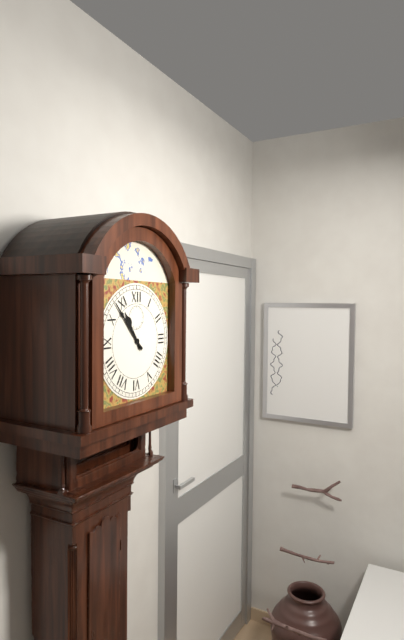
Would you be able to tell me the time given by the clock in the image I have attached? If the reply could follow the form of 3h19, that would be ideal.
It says 10h53
